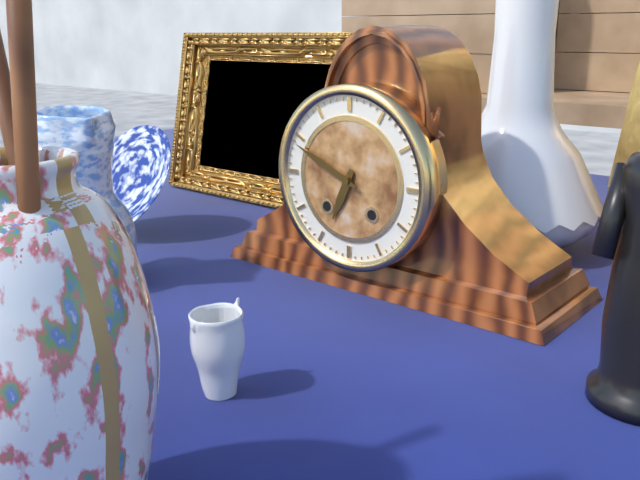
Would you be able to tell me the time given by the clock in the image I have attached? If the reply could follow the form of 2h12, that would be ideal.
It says 6h49
